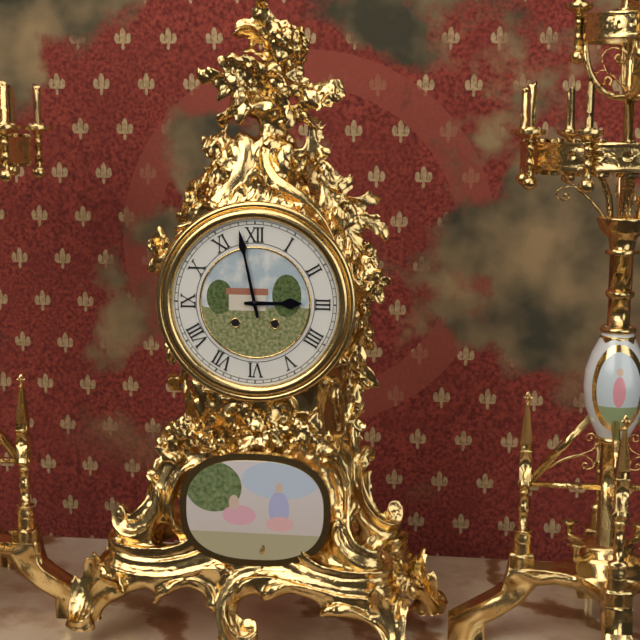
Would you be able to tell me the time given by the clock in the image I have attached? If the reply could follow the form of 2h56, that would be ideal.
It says 2h58
